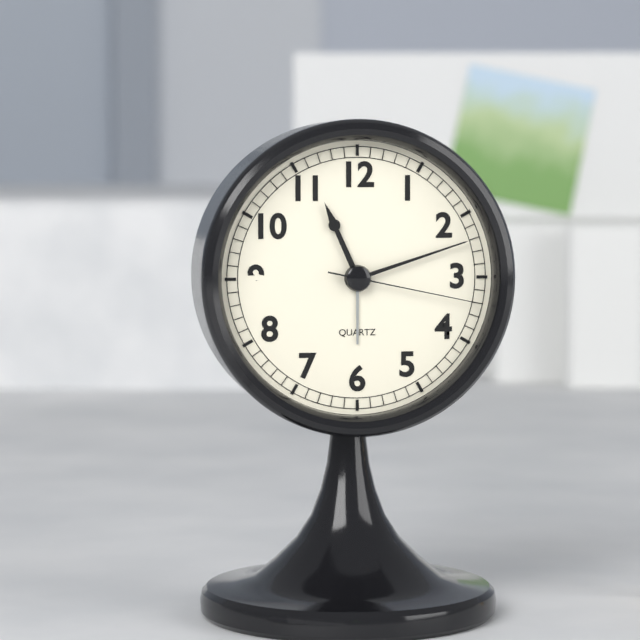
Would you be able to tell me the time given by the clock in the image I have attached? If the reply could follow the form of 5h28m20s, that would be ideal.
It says 11h12m17s
